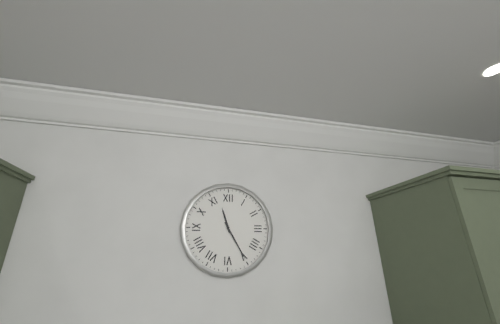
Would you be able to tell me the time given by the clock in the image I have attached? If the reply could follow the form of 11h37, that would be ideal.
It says 11h25
